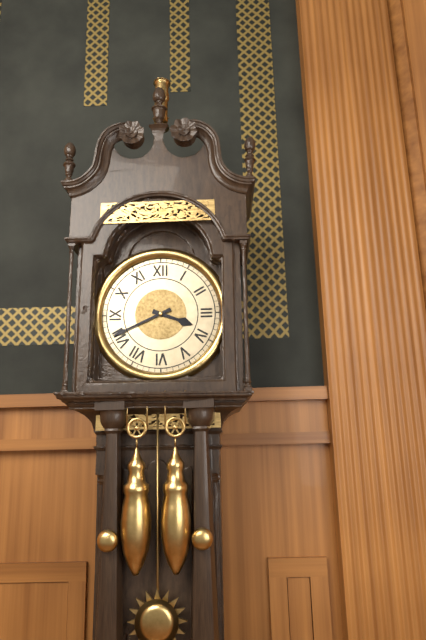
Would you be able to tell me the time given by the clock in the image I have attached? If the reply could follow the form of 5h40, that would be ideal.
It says 3h41
